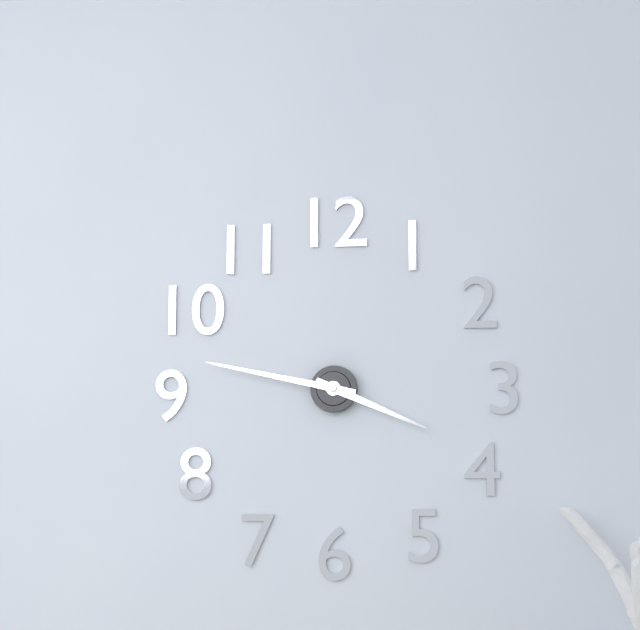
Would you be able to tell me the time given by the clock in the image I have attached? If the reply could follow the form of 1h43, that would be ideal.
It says 3h47
